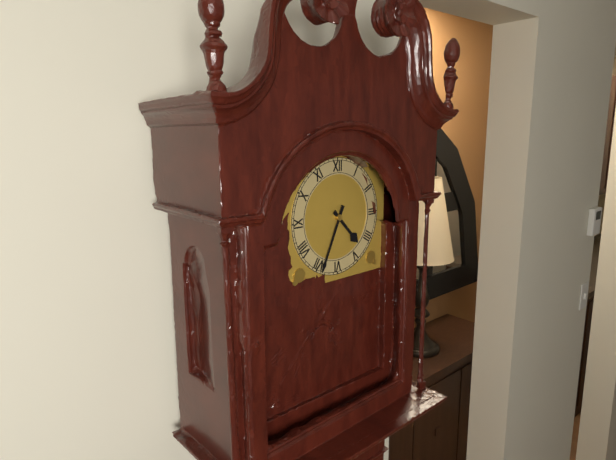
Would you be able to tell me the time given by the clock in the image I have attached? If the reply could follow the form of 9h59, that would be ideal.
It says 4h34
